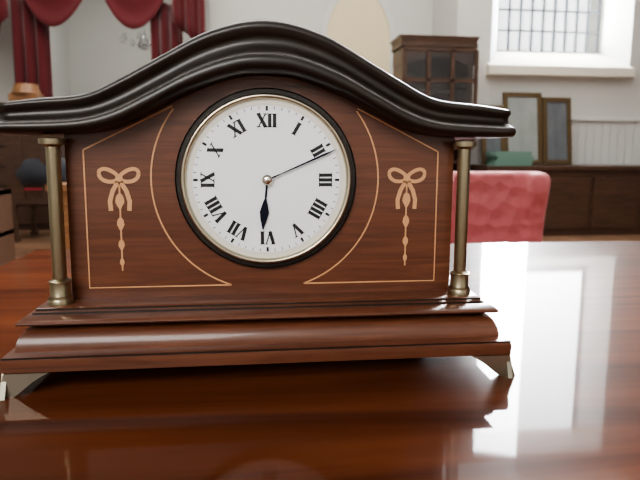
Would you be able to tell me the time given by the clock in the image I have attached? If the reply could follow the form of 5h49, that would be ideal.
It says 6h11
